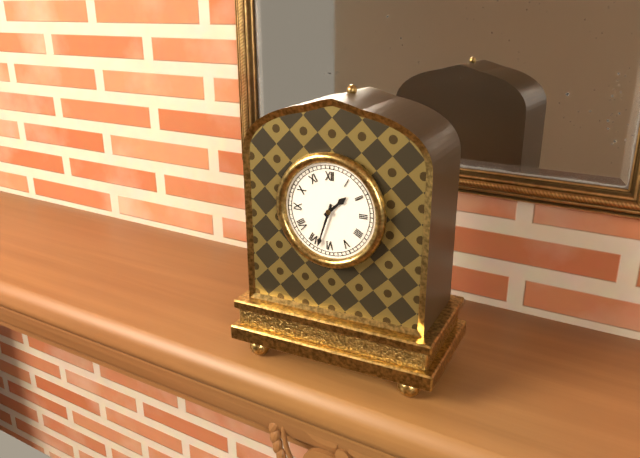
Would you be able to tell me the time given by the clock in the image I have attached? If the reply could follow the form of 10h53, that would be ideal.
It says 1h33
